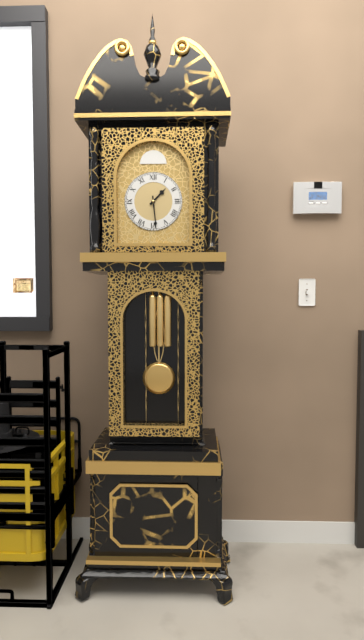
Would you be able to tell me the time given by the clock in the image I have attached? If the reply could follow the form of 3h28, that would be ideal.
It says 1h29
